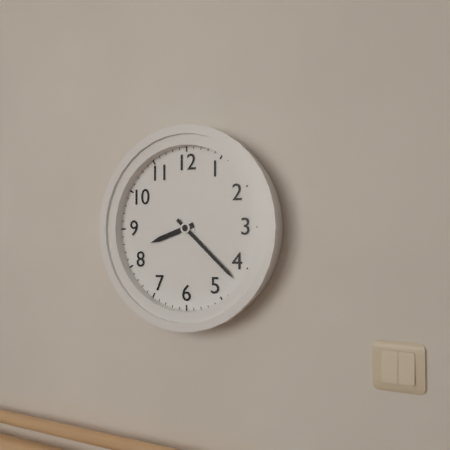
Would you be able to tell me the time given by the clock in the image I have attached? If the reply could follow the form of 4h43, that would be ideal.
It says 8h22
